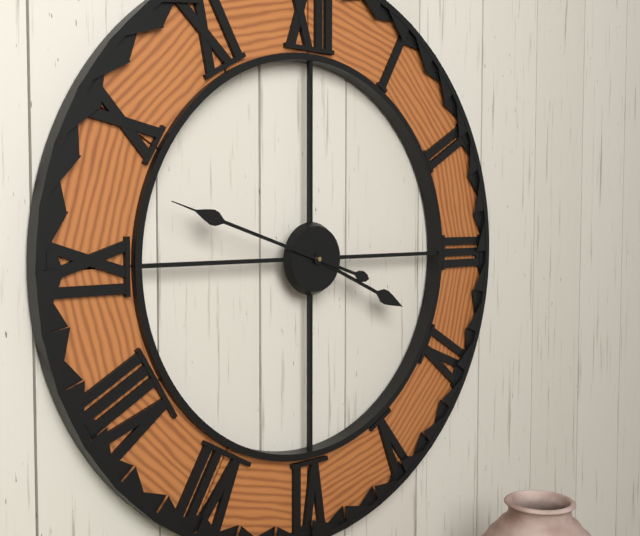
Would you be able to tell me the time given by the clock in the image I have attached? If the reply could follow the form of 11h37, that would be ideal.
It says 3h48
